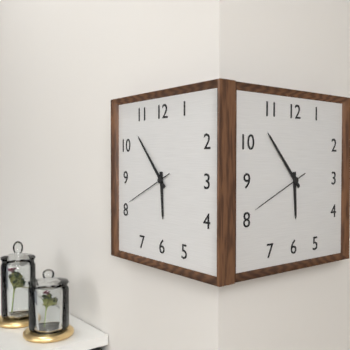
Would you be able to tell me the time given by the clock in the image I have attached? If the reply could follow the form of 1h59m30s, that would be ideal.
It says 5h53m41s
